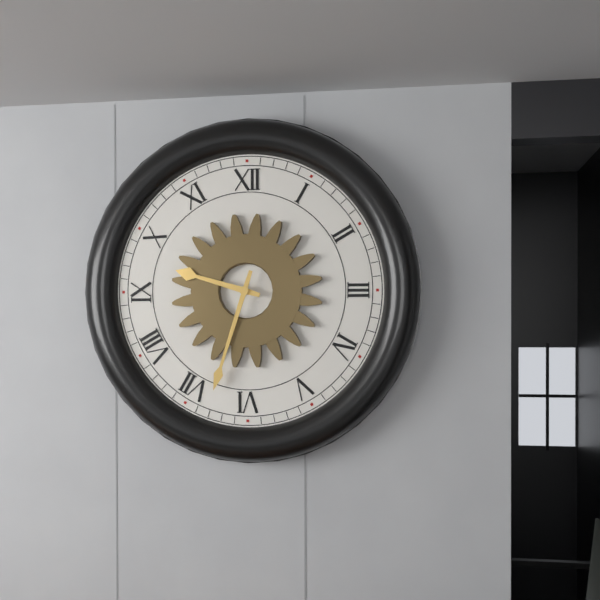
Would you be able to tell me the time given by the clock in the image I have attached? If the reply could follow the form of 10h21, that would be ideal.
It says 9h33
